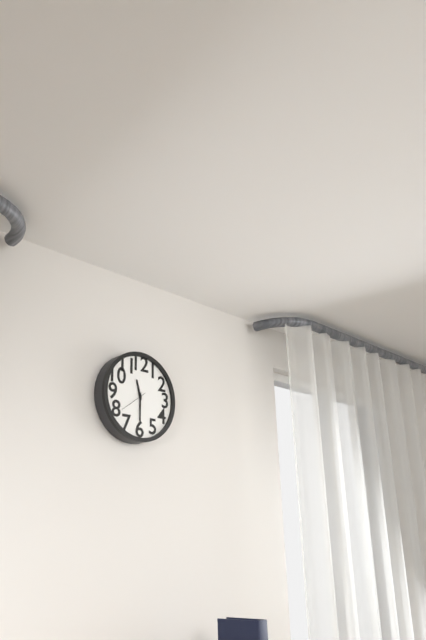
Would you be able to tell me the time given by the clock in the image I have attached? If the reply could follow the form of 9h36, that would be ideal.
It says 11h30
